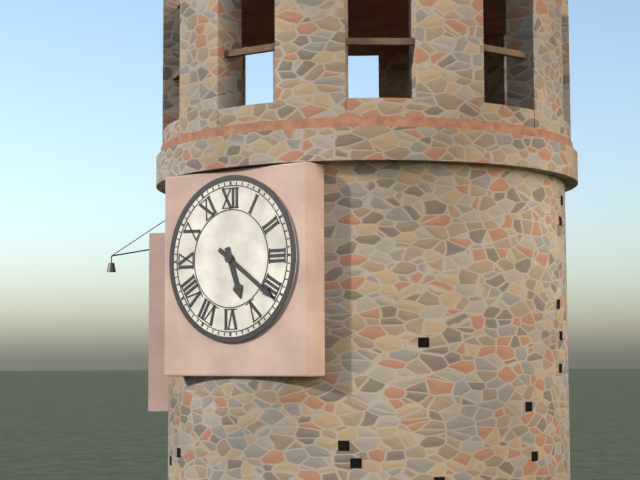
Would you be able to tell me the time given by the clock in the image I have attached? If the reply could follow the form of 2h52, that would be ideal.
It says 5h21
